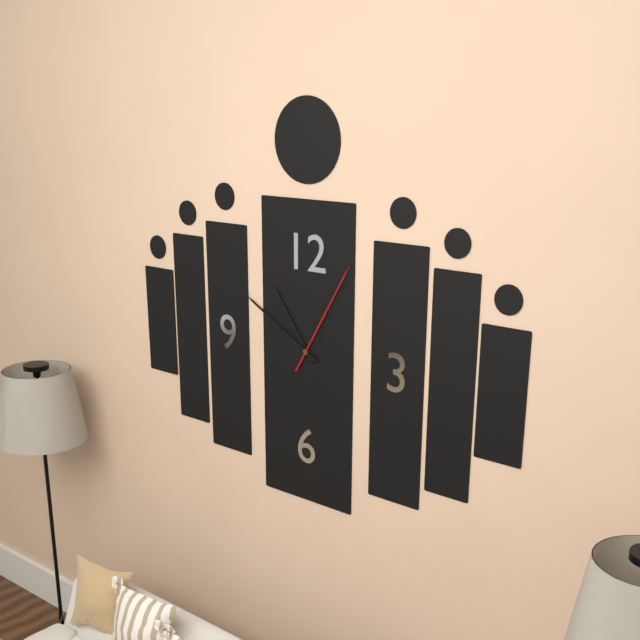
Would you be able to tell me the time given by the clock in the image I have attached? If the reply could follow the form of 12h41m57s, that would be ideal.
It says 10h50m05s
